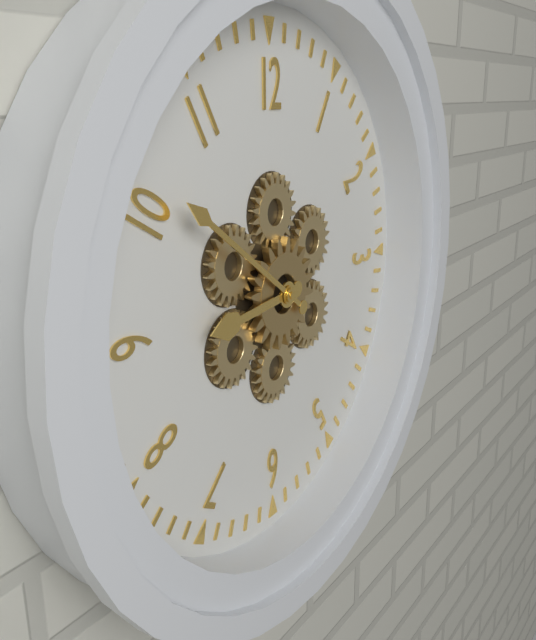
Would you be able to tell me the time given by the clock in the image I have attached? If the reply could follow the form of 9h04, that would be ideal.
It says 8h51
